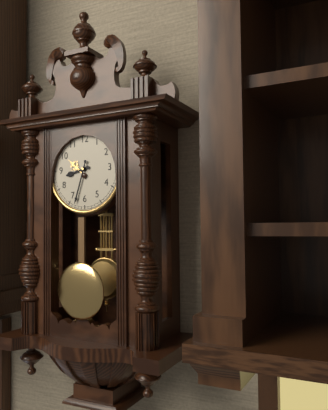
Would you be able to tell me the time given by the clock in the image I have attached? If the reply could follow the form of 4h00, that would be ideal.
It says 8h33
